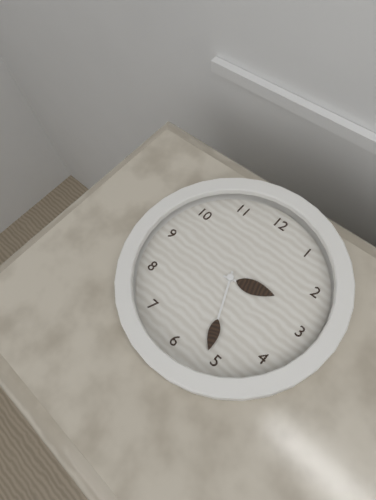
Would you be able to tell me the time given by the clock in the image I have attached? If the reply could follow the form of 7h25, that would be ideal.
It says 2h26
